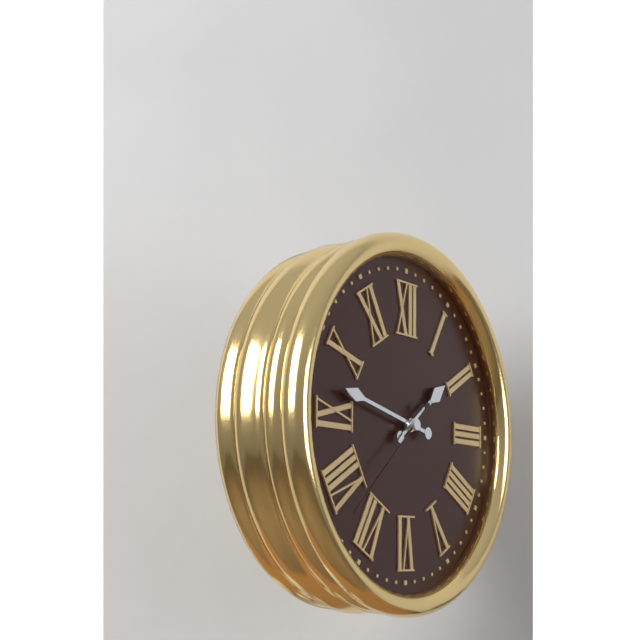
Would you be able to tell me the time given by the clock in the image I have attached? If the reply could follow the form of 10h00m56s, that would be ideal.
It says 1h47m38s
